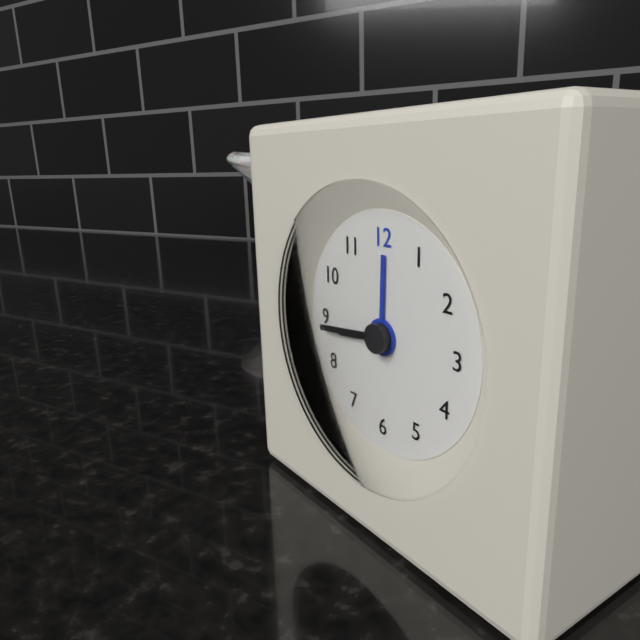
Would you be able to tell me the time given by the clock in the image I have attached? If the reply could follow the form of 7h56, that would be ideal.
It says 8h44
